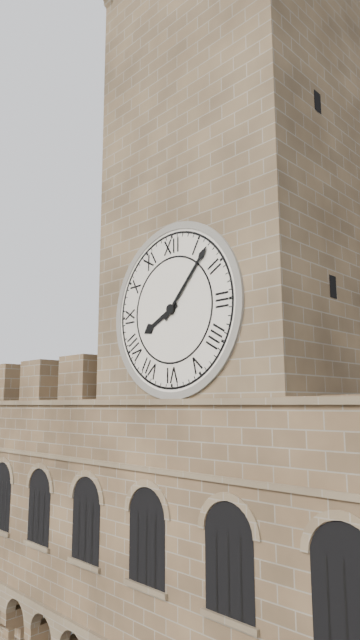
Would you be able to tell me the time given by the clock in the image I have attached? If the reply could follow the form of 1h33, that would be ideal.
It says 8h07
